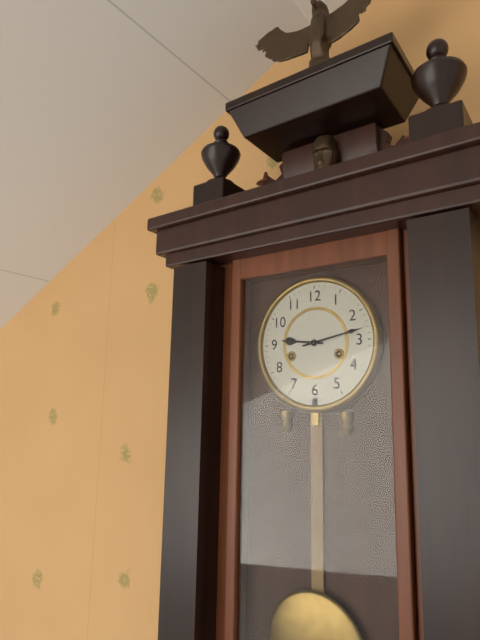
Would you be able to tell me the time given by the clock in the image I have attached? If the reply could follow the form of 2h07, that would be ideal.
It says 9h13
